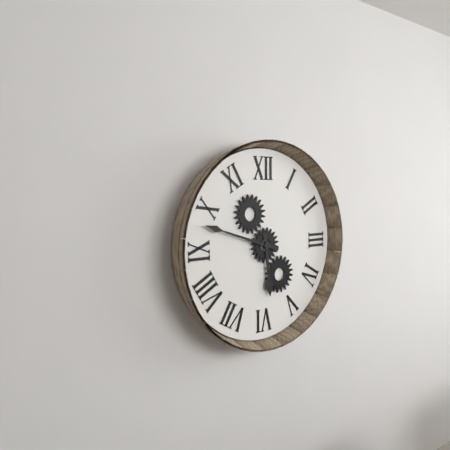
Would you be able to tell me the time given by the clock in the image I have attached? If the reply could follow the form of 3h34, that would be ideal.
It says 5h48
